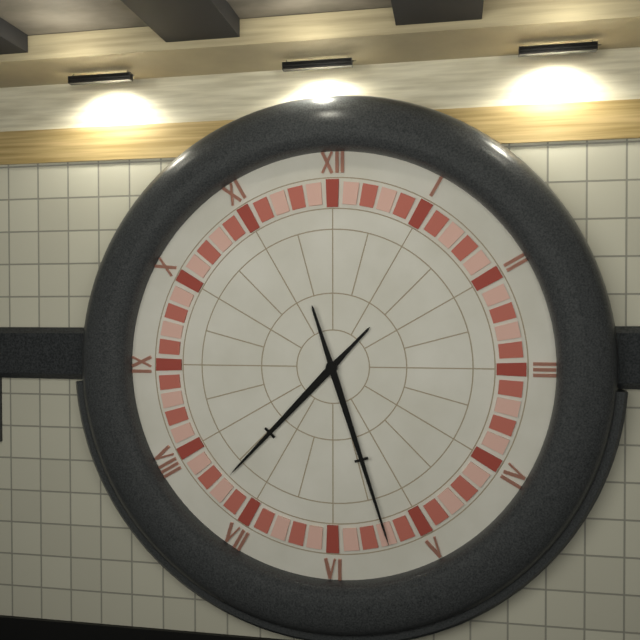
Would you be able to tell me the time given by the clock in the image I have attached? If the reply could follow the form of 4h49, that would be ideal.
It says 7h27
